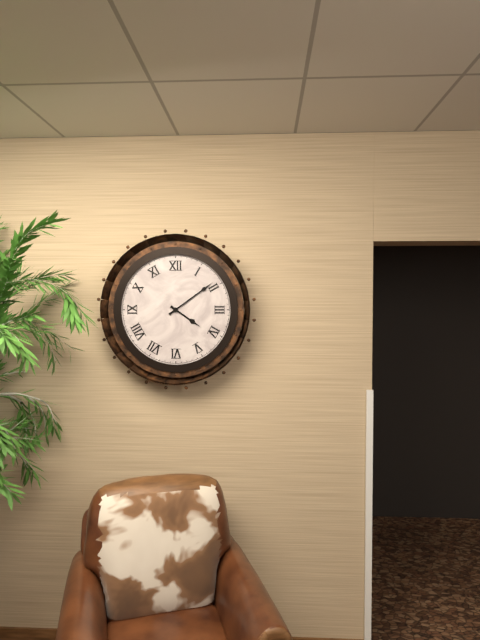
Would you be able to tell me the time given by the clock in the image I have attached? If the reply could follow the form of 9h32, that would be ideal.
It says 4h09
